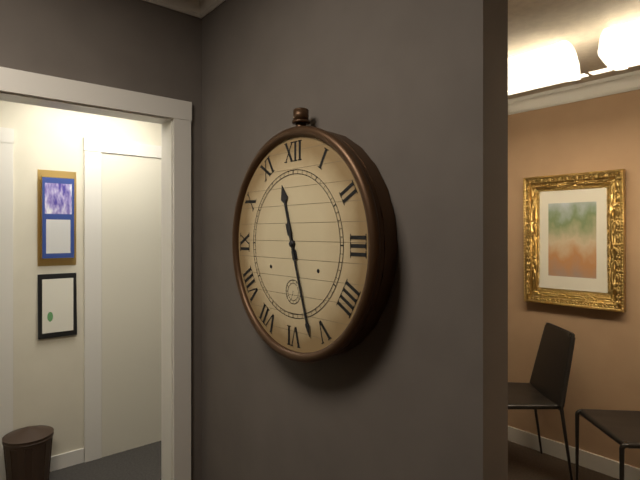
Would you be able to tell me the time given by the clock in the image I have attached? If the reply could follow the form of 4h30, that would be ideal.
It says 11h27
